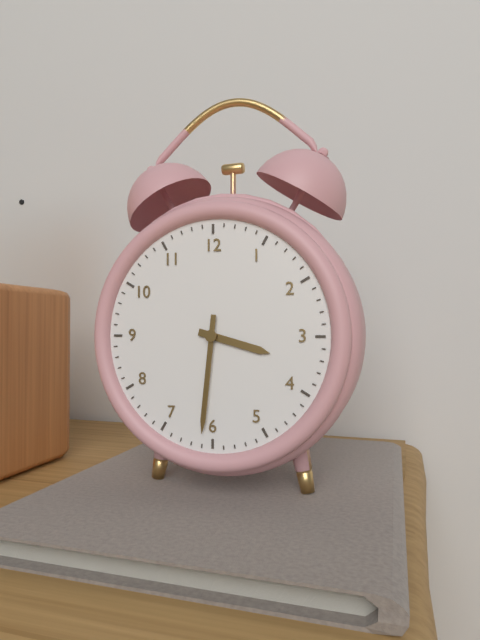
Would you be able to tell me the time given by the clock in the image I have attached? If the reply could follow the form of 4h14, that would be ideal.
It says 3h31
